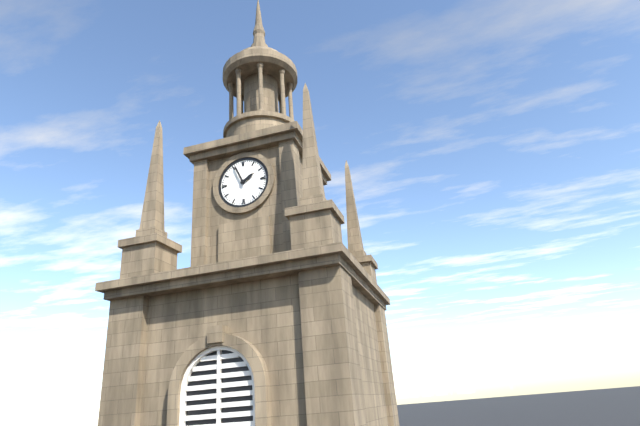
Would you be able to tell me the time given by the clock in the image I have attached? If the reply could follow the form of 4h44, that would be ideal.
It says 1h56
